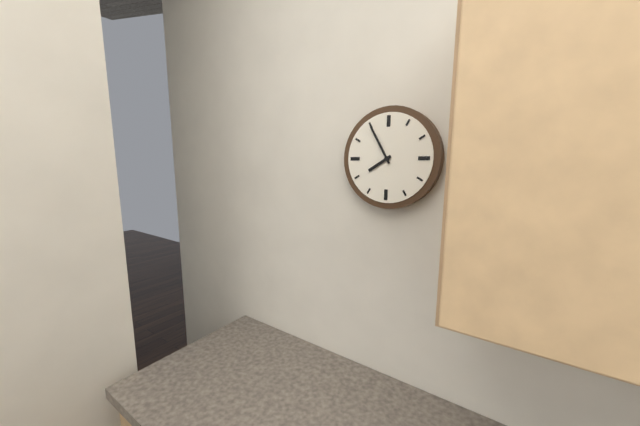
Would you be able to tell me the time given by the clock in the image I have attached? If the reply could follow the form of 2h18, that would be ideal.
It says 7h55
